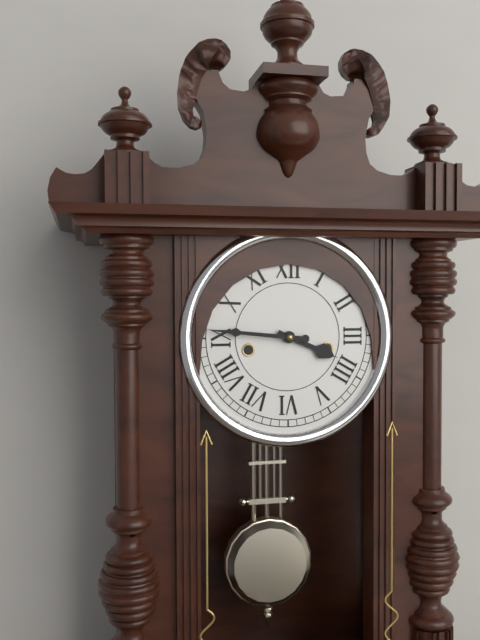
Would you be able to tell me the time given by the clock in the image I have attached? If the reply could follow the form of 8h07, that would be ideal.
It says 3h46
